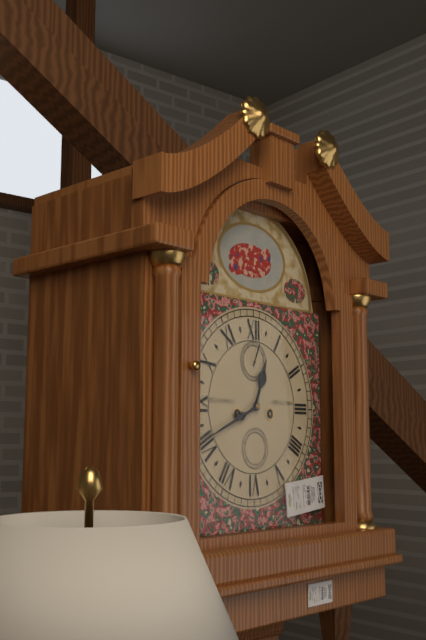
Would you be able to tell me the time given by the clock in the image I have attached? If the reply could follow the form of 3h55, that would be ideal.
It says 12h41
